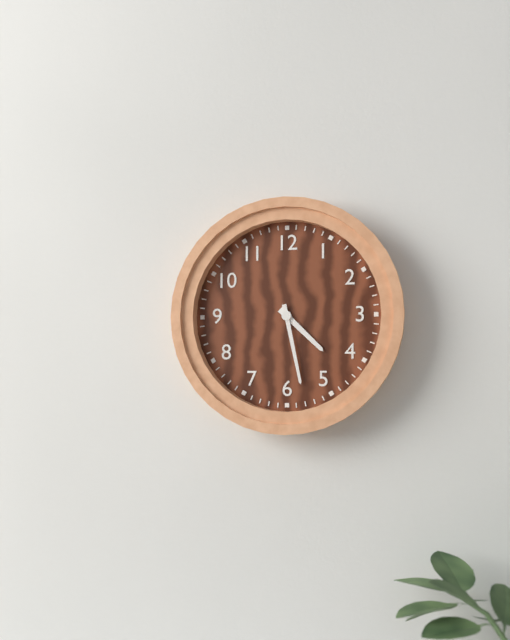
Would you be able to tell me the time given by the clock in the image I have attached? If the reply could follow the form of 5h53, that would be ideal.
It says 4h28
